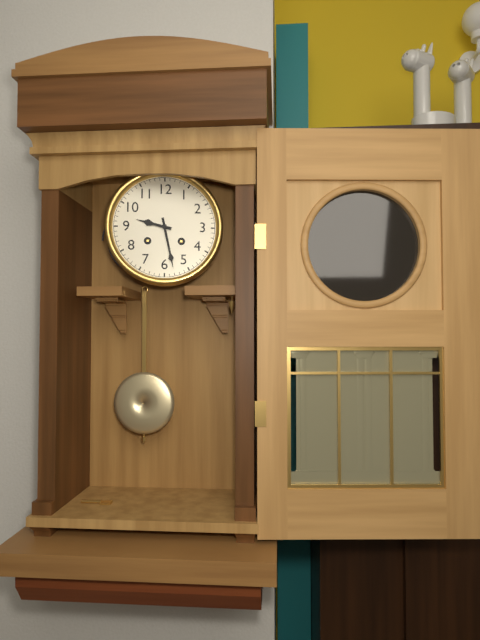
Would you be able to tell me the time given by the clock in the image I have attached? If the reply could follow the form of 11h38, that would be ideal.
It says 9h28
